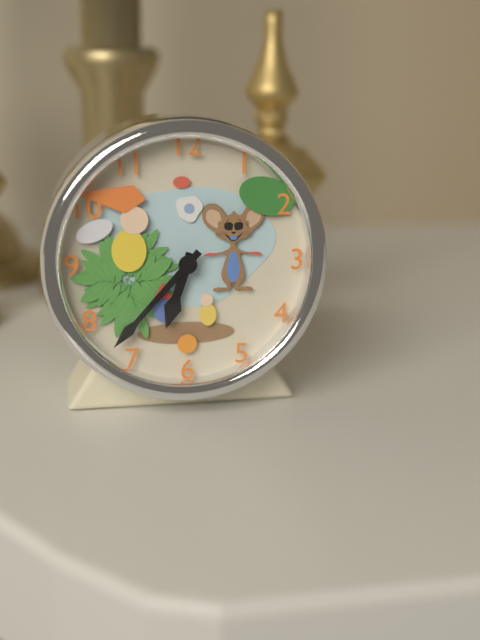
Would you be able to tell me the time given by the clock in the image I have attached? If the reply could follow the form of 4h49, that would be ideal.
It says 6h37
